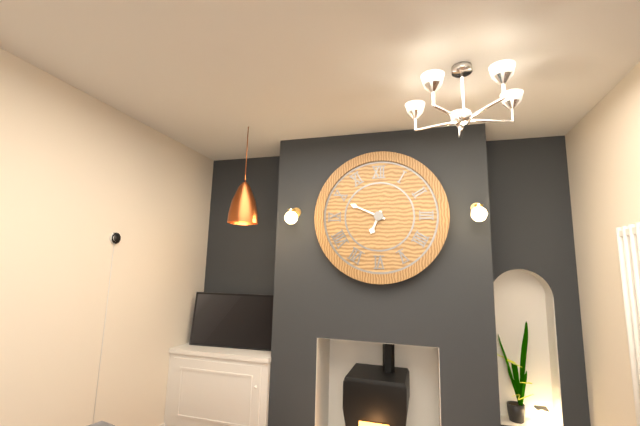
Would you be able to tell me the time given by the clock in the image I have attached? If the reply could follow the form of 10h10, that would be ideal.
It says 6h49
